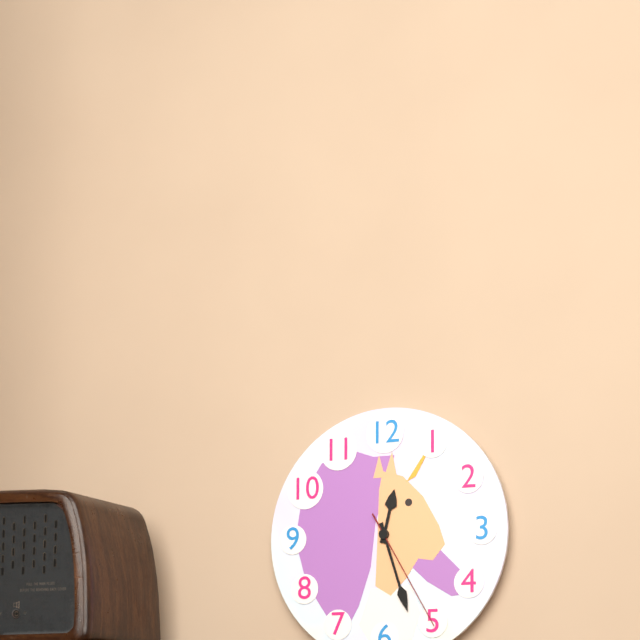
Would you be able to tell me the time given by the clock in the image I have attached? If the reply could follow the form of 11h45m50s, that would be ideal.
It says 12h27m25s
